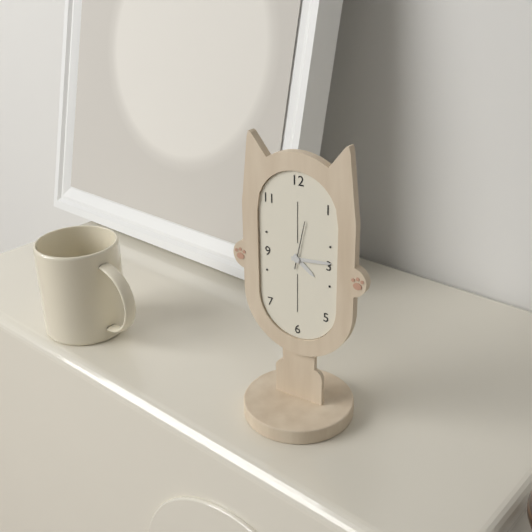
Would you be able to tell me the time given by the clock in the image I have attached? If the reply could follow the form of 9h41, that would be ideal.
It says 4h14
